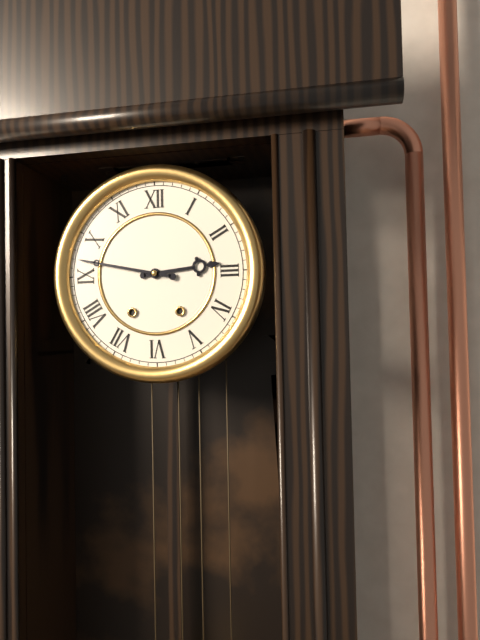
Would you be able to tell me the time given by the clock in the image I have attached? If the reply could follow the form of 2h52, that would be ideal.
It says 2h47
